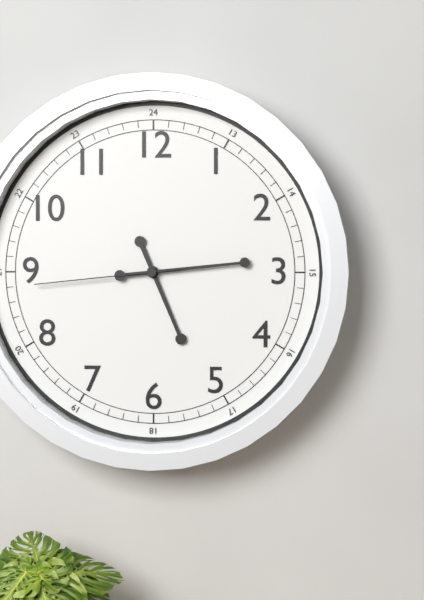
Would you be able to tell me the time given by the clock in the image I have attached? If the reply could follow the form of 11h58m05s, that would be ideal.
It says 5h14m44s
